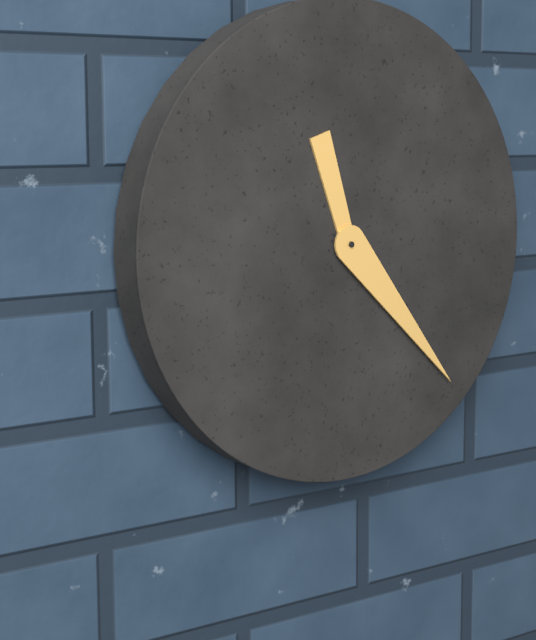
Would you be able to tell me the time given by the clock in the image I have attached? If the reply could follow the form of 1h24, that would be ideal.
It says 11h23
